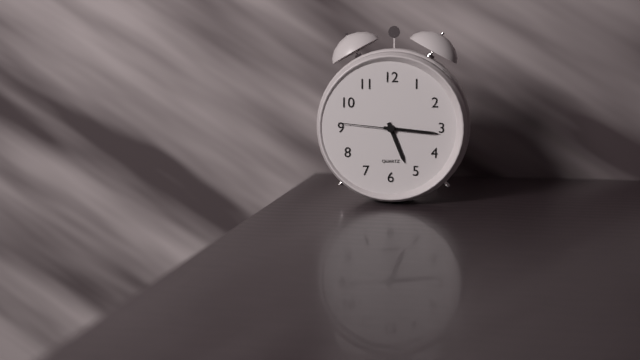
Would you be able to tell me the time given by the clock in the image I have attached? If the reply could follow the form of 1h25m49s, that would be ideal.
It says 5h16m46s
